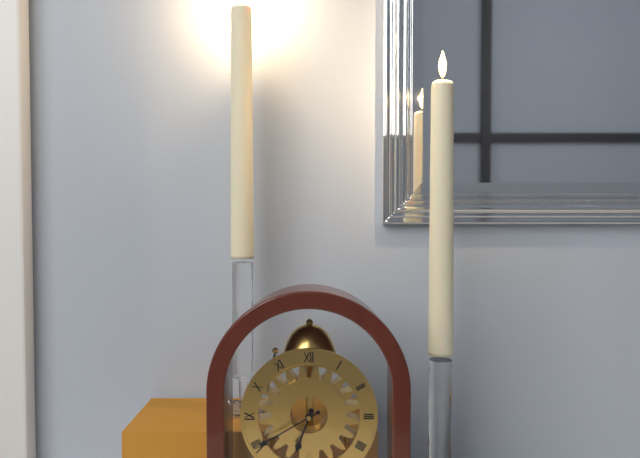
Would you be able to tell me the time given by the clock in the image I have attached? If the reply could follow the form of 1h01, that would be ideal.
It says 6h40
